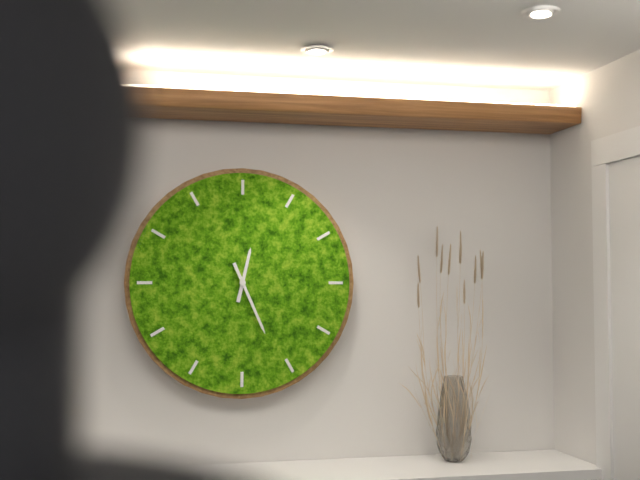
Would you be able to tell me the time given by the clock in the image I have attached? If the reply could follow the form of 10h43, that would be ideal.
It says 12h26
